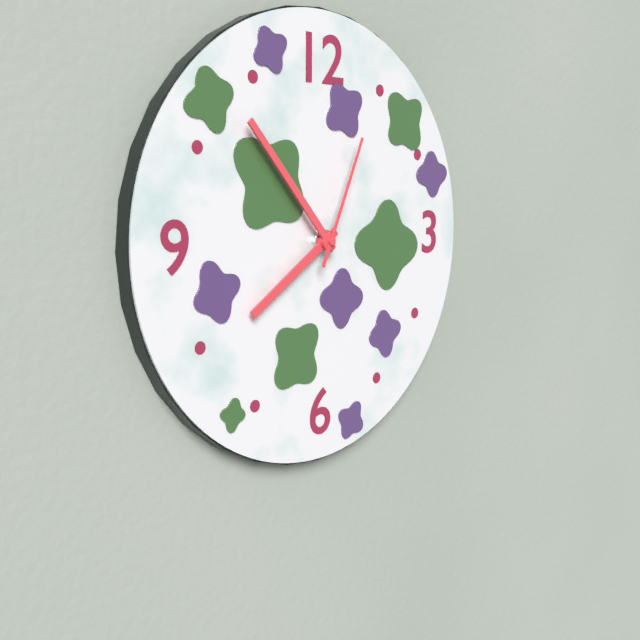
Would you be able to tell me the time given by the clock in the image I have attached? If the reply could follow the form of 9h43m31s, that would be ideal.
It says 7h53m04s
